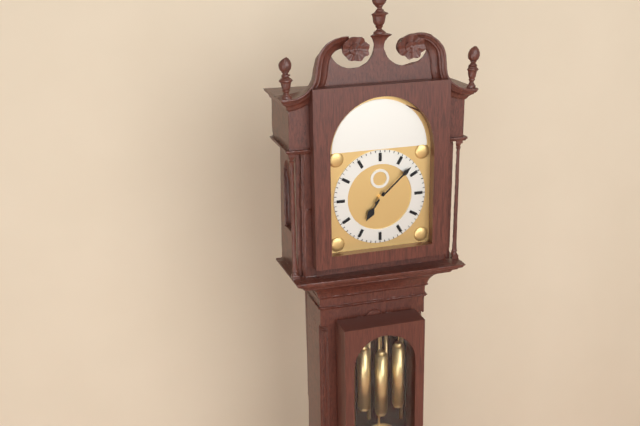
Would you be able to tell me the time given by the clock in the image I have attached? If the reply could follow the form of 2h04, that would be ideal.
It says 7h08
